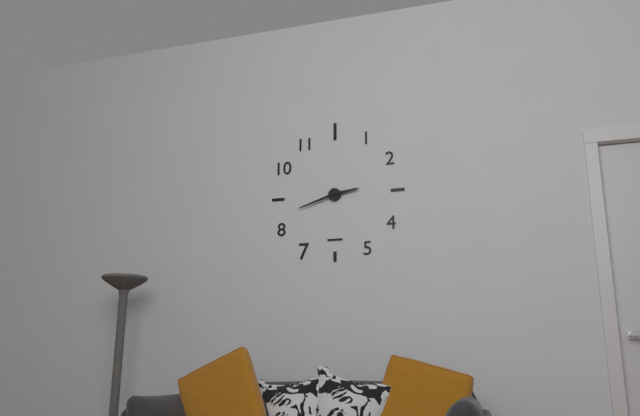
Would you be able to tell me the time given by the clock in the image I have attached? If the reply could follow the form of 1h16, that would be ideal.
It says 2h42
